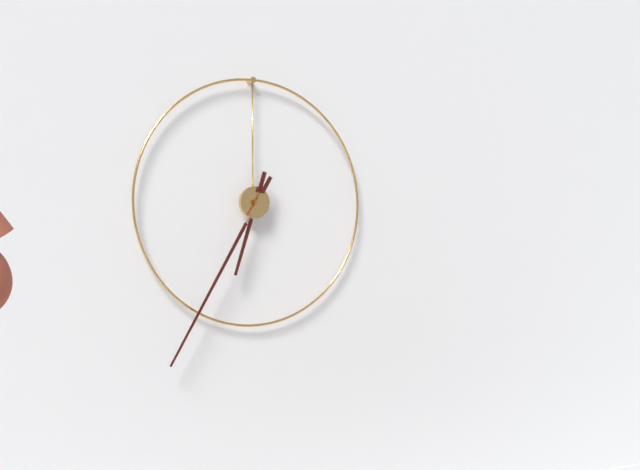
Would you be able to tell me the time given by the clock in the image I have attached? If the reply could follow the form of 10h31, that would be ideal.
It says 6h35
